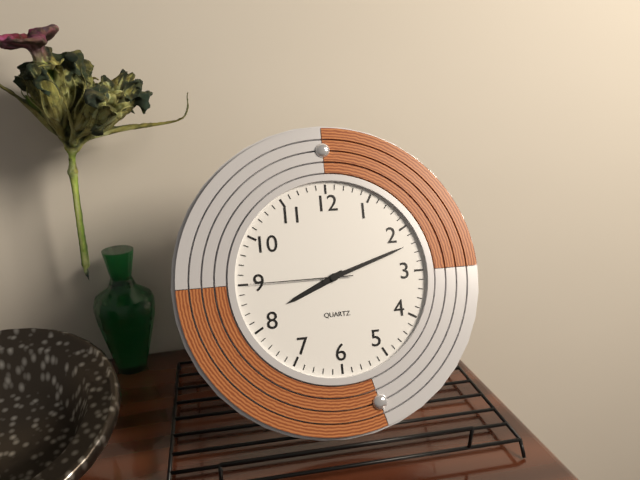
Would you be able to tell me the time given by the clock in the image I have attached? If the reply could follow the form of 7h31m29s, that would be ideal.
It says 8h12m45s
